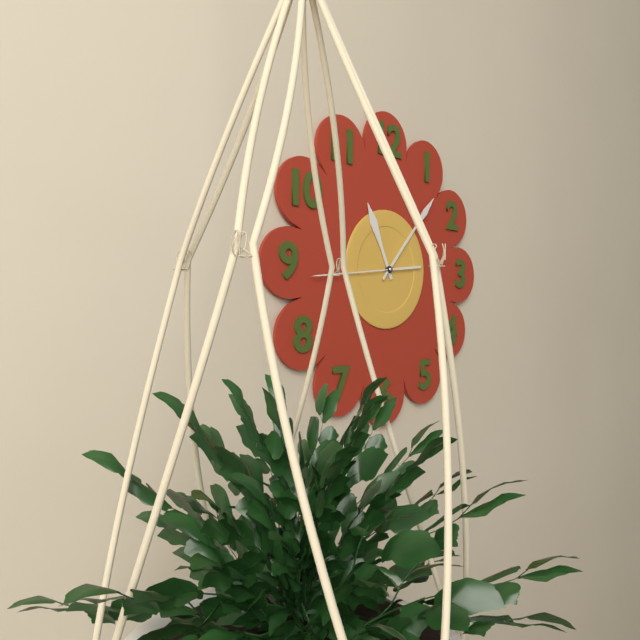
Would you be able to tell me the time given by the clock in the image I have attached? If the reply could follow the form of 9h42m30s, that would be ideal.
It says 11h07m44s
